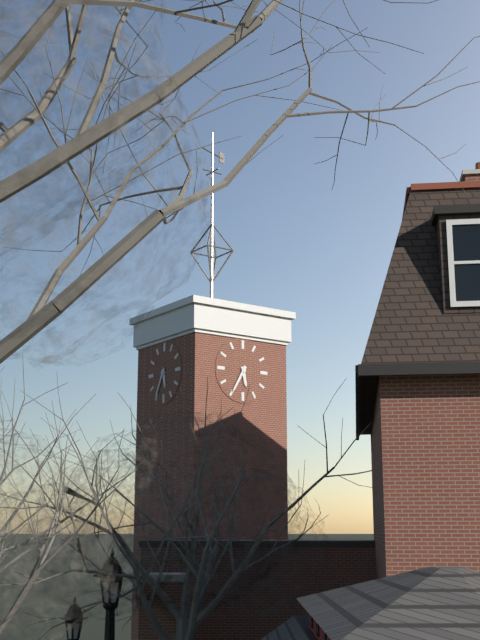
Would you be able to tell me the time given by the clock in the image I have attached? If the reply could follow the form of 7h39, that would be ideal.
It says 5h35
